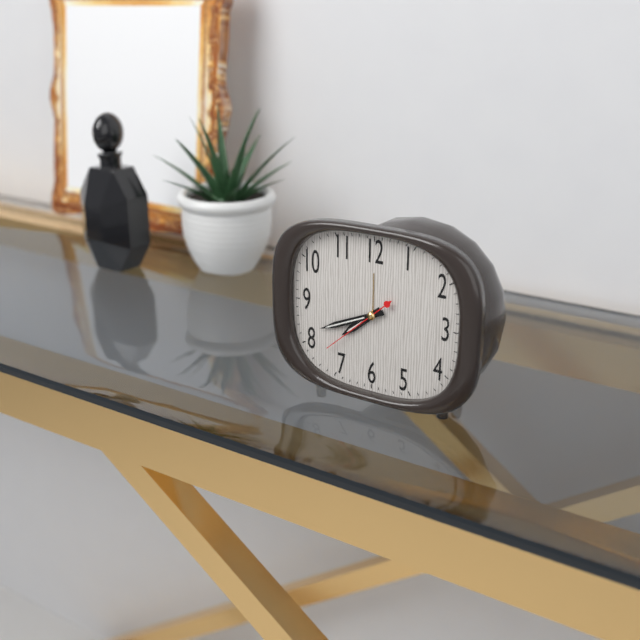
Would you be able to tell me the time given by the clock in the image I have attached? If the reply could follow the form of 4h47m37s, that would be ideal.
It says 7h41m38s
